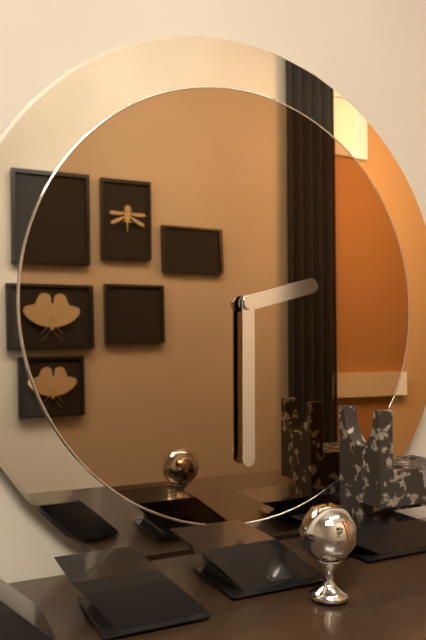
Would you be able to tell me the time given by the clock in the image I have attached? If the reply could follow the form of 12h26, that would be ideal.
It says 2h30
